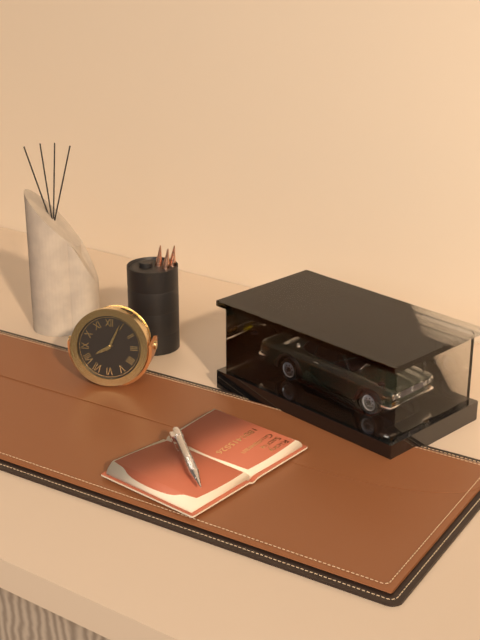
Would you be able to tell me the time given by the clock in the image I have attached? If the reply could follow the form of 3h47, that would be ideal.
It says 8h04
